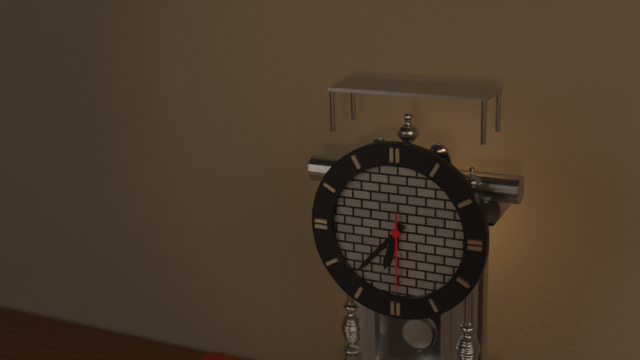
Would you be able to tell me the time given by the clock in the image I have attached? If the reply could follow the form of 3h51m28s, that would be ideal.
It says 6h37m30s
